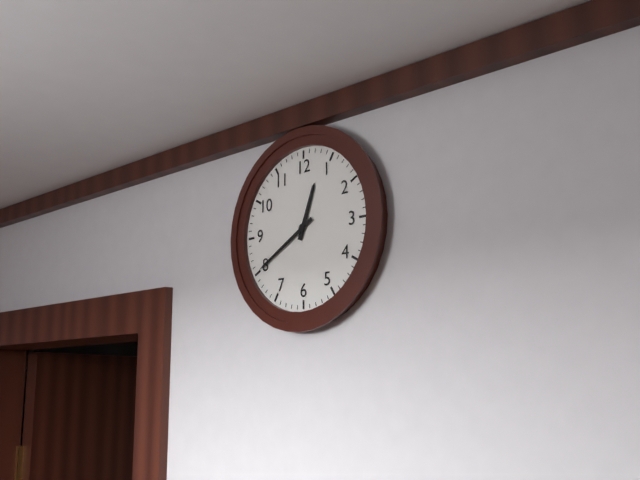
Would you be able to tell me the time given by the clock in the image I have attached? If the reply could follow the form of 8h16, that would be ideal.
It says 12h40
